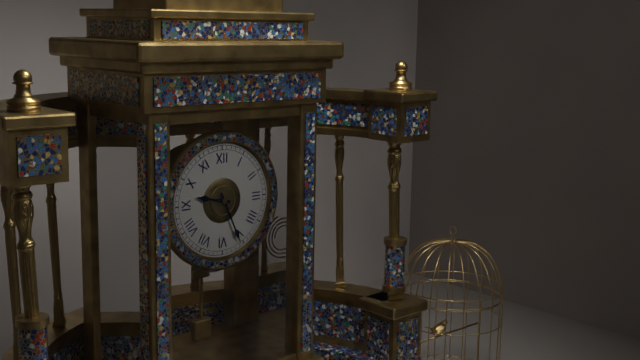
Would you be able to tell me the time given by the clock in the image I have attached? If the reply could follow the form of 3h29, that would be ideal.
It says 9h26
